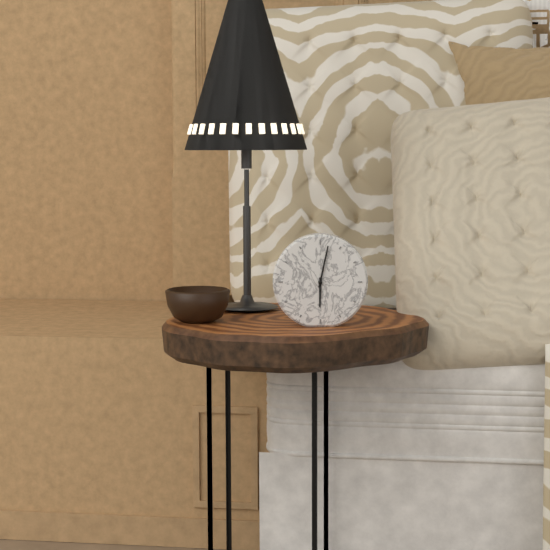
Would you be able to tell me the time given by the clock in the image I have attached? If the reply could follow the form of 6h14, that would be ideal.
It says 6h02
